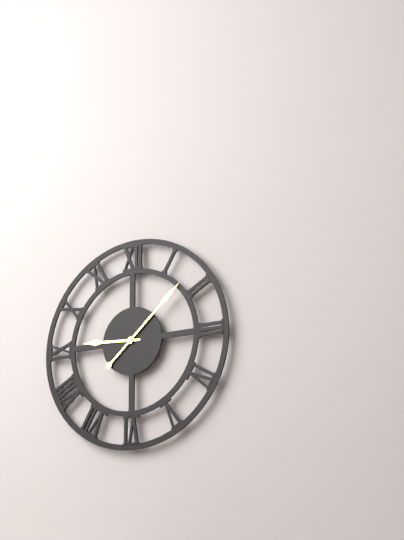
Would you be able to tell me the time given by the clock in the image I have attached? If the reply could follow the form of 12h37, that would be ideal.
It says 9h08
